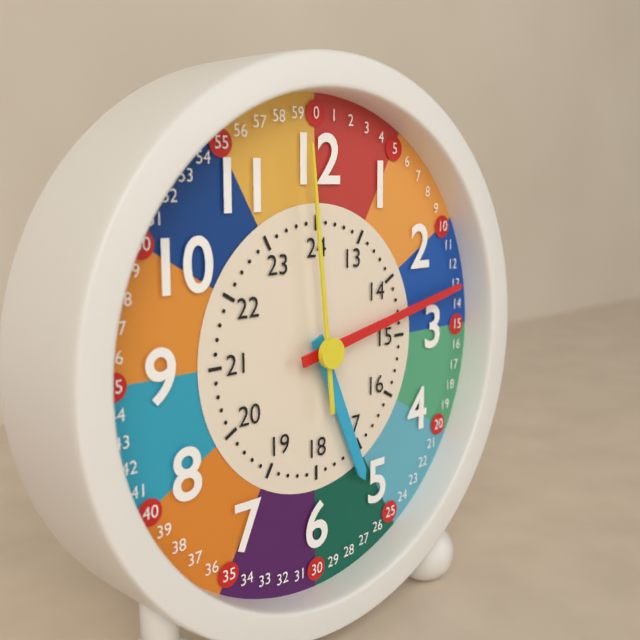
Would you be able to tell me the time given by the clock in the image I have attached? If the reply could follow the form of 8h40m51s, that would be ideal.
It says 5h13m59s
